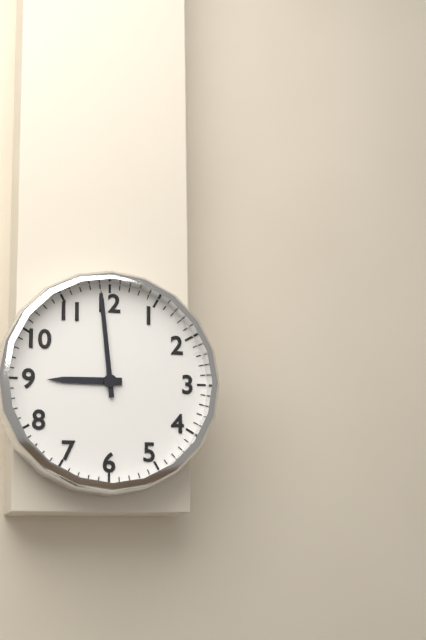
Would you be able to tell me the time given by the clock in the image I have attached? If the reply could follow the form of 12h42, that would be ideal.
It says 8h59
